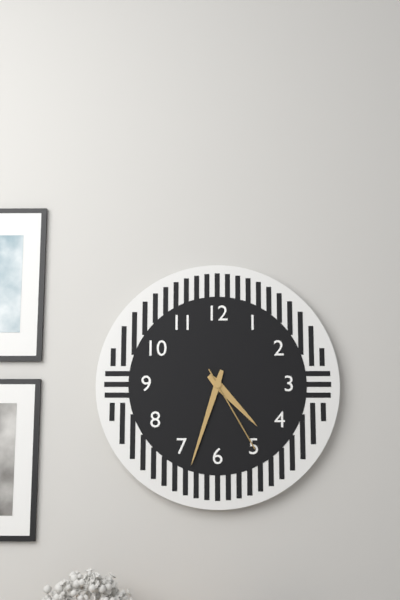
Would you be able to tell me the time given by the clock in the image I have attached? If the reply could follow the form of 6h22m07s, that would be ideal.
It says 4h33m25s
